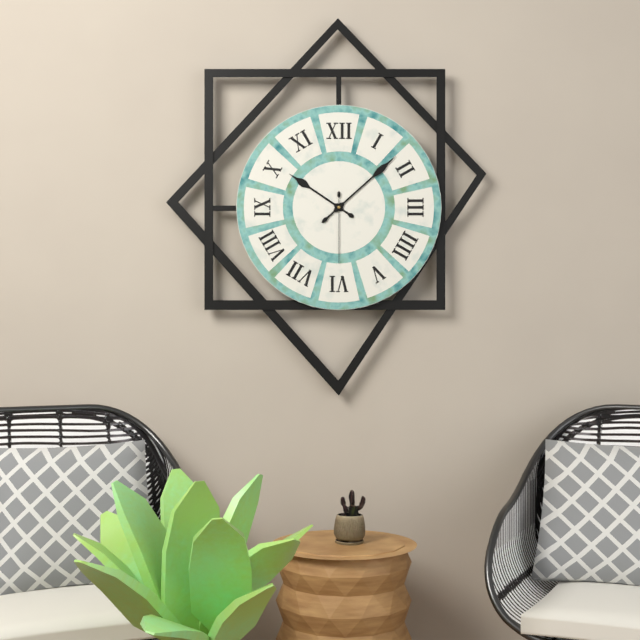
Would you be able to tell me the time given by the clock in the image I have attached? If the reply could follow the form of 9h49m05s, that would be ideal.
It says 10h08m30s
